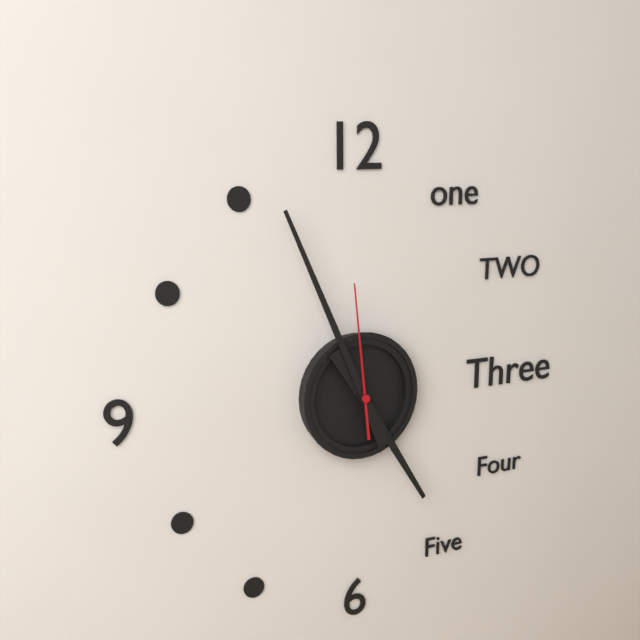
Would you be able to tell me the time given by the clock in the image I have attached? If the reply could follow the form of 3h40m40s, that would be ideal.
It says 4h56m59s
